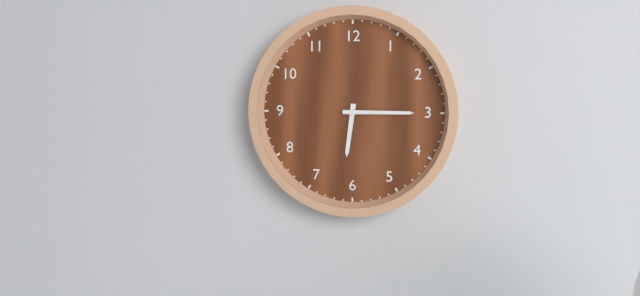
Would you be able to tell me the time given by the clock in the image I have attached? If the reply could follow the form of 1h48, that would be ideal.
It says 6h15
